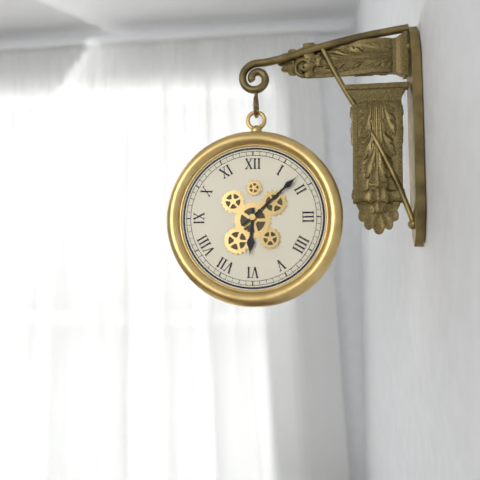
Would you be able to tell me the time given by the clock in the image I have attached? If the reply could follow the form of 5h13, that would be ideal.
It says 6h08
